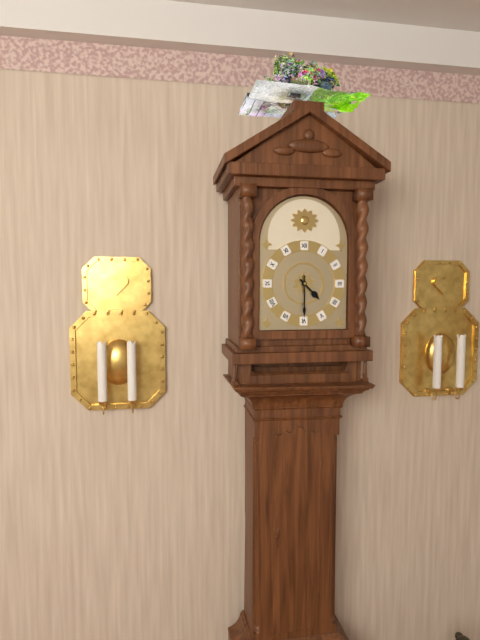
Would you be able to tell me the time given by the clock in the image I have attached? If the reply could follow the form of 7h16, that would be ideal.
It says 4h30
